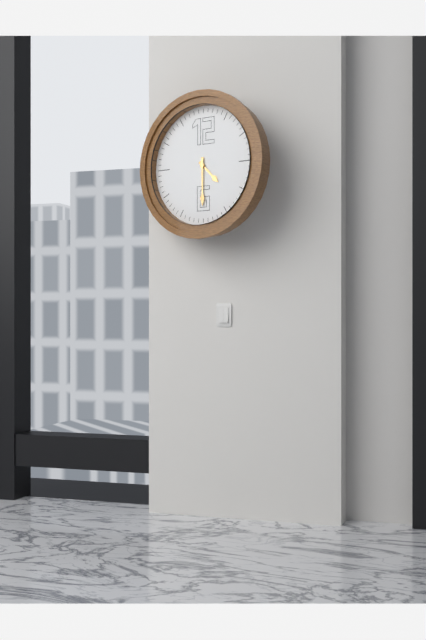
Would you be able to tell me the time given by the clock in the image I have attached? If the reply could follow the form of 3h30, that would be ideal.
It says 4h30
